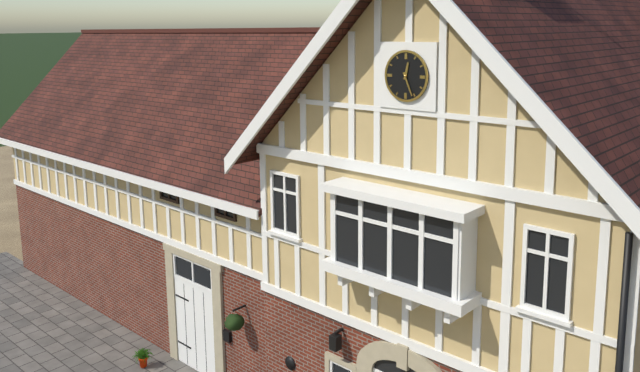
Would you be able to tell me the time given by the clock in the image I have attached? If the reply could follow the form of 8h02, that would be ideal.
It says 12h26
